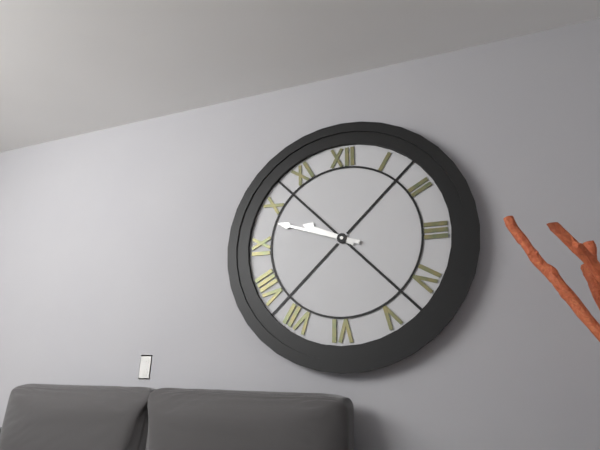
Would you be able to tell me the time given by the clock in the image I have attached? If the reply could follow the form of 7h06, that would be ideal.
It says 9h48
